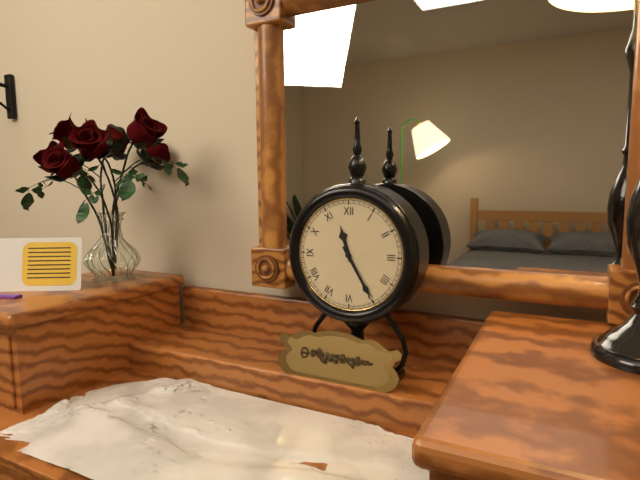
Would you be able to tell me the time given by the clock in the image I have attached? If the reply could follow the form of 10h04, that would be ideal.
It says 11h25
